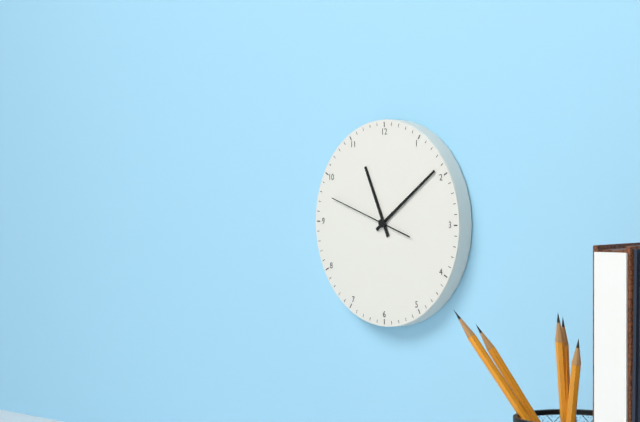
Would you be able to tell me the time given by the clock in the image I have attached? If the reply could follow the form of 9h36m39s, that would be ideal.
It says 11h09m48s
